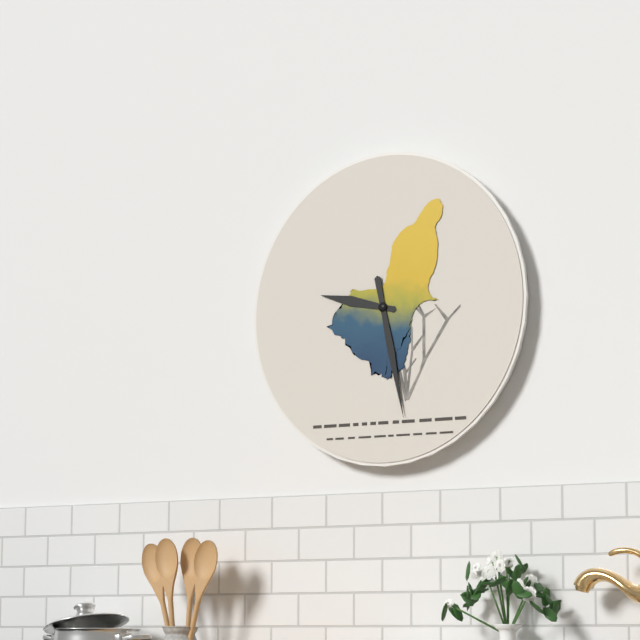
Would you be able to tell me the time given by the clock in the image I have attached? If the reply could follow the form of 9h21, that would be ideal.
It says 9h28
